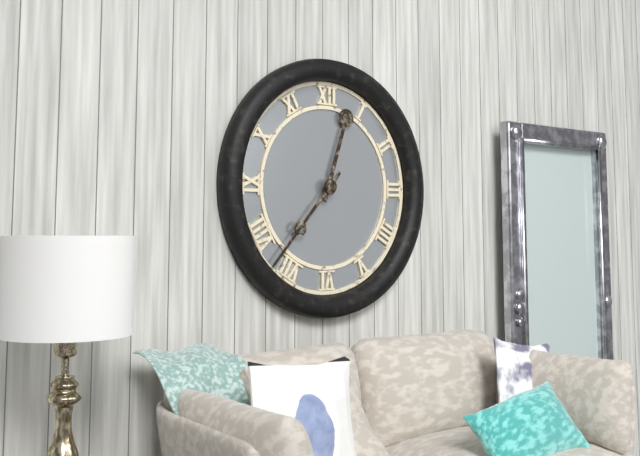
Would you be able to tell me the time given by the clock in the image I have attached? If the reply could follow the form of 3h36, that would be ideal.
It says 12h37
